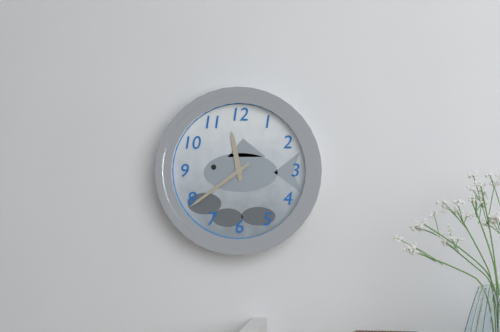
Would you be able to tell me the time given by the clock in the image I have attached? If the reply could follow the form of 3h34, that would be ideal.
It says 11h39
